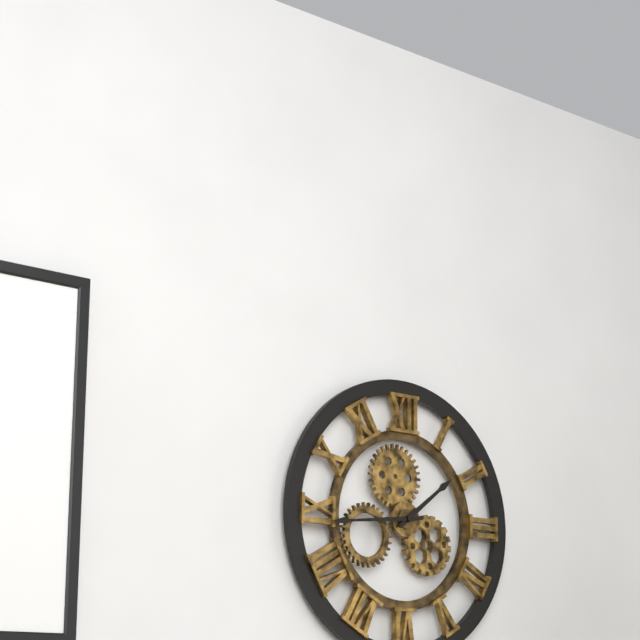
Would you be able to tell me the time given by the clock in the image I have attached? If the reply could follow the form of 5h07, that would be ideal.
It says 1h44
